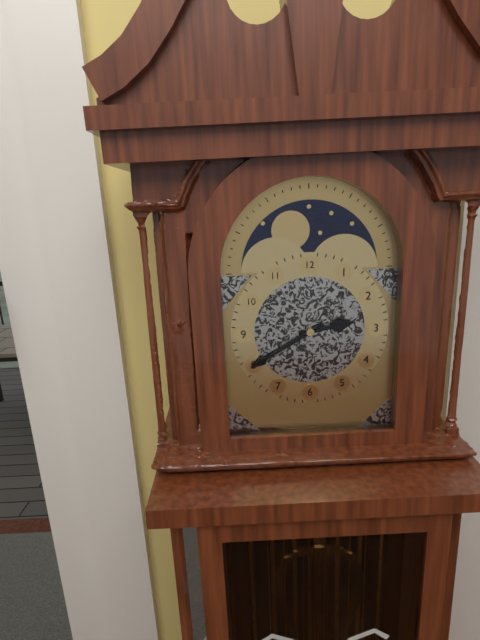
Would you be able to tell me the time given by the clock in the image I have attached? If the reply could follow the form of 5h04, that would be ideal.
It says 2h40
